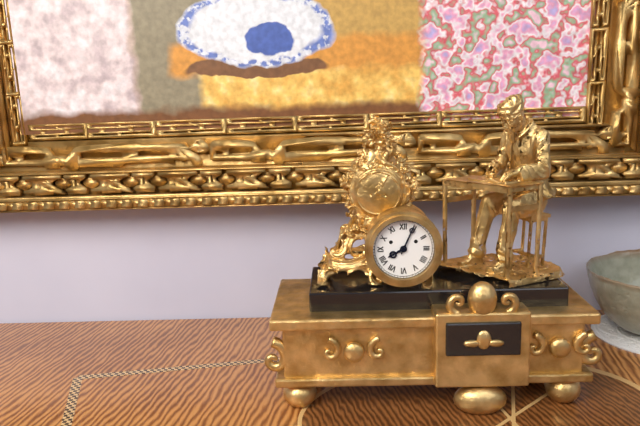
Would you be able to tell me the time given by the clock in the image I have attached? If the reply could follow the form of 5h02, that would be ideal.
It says 8h04
